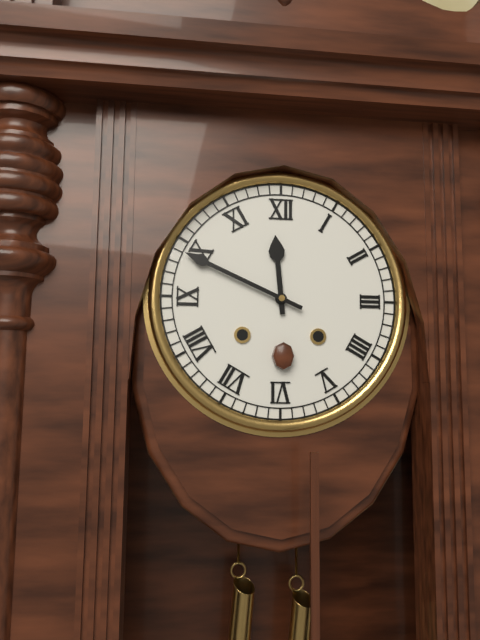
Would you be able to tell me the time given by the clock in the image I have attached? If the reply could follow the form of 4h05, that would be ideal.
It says 11h49
